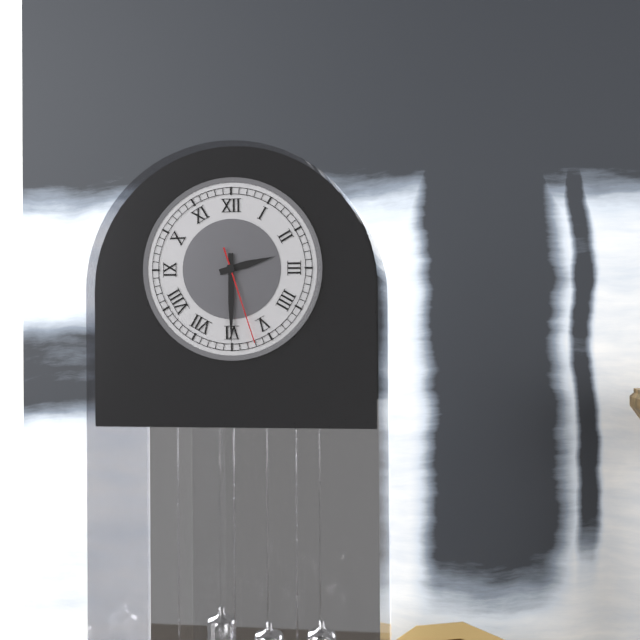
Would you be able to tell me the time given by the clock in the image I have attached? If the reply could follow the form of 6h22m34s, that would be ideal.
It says 2h30m27s
